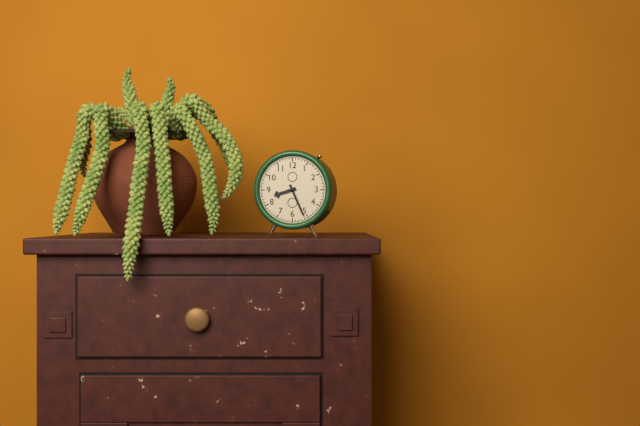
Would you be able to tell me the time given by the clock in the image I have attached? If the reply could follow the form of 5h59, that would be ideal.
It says 8h26
